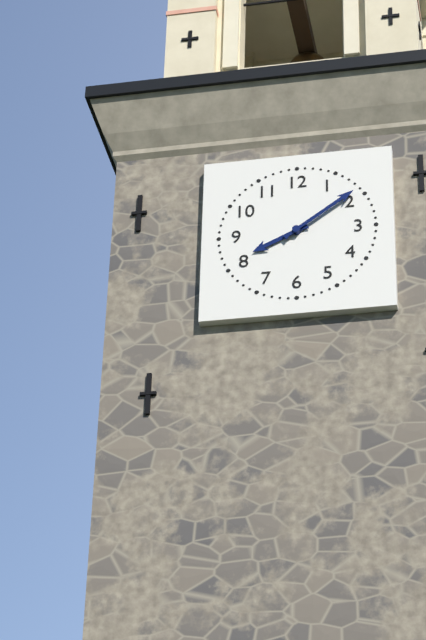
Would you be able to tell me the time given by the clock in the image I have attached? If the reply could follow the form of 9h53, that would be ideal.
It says 8h09
